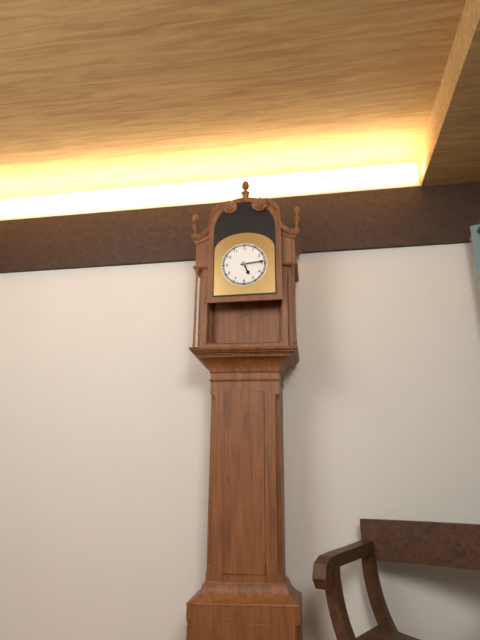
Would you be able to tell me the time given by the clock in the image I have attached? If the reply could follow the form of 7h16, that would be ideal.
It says 5h14
